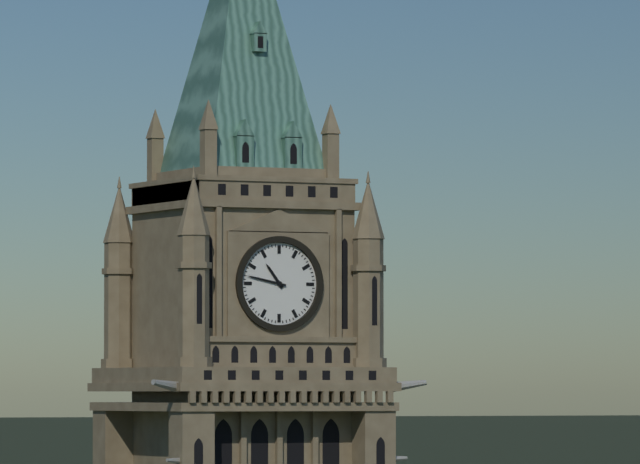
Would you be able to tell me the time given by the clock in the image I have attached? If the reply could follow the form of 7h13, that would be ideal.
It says 10h47
